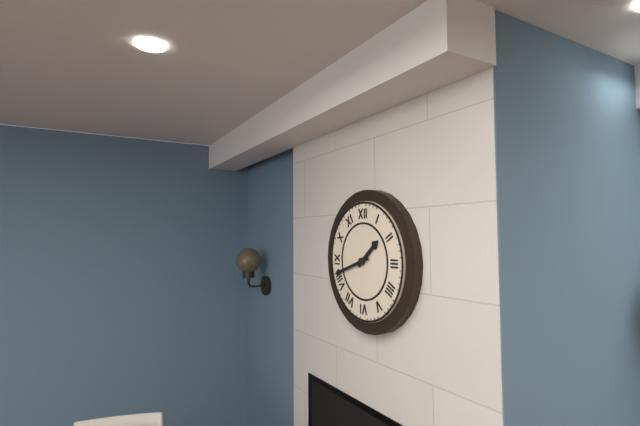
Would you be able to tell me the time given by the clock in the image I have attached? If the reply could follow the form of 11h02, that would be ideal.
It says 1h42
